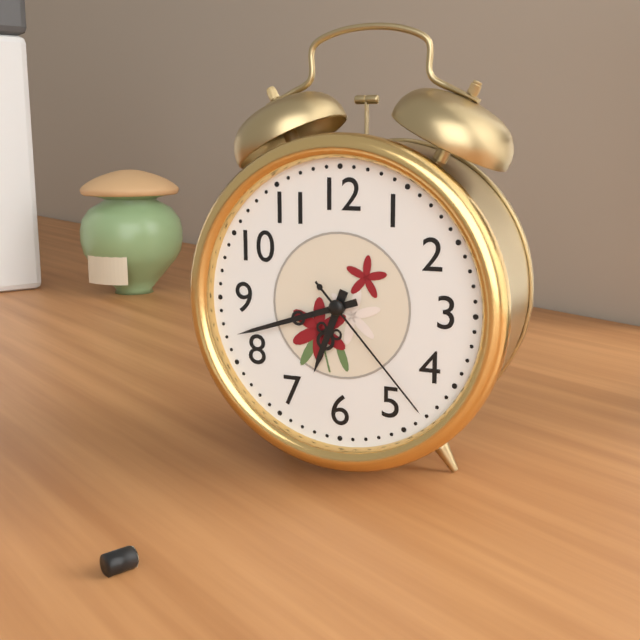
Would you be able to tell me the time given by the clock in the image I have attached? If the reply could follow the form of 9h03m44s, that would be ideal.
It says 6h42m23s
